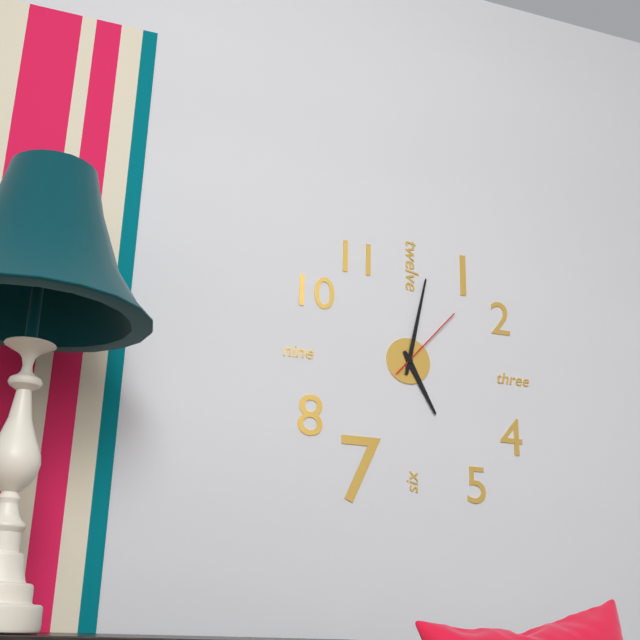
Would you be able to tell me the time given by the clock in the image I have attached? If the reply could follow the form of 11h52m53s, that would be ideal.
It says 5h02m07s
